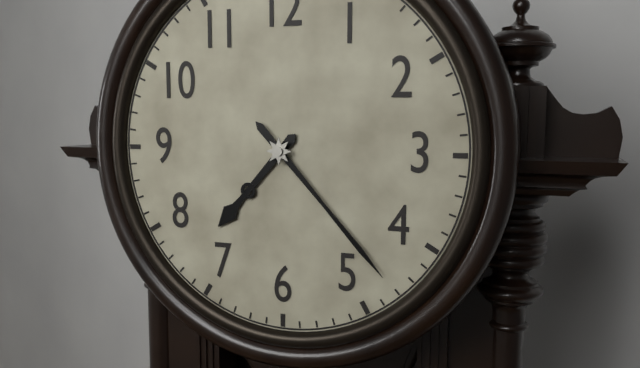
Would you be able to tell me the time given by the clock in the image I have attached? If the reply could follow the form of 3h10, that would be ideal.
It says 7h23
